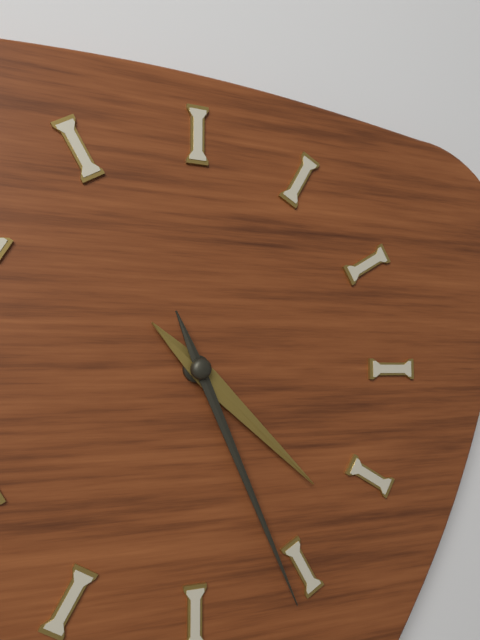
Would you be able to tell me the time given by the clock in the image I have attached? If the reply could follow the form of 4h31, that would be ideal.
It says 4h26
